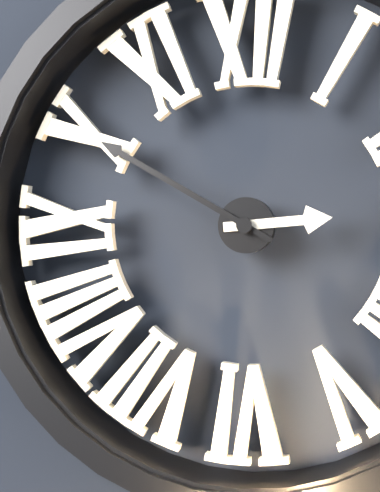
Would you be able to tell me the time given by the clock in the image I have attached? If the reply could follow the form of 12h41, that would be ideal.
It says 2h50
